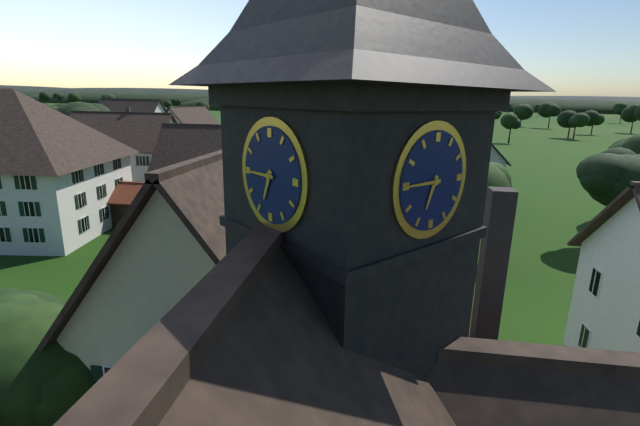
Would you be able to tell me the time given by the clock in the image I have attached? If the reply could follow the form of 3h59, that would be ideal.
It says 6h45
